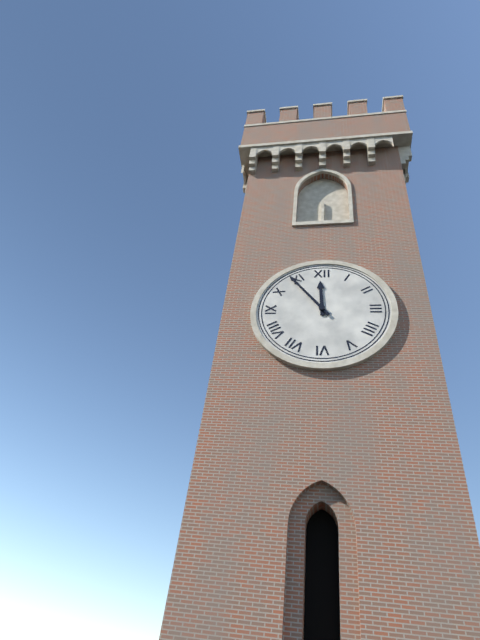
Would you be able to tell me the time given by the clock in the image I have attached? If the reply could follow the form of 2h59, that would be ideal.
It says 11h54
